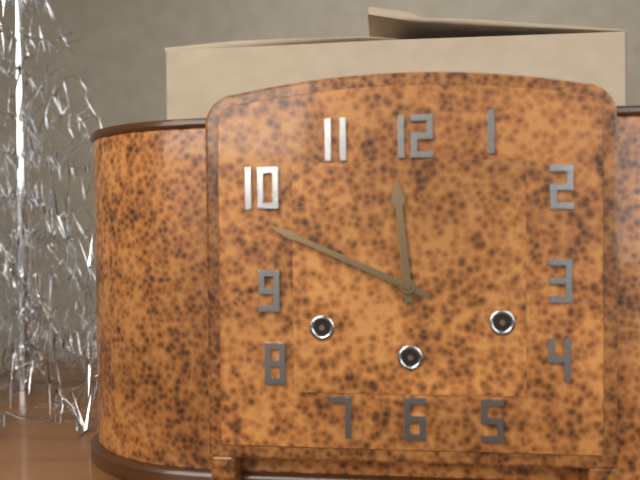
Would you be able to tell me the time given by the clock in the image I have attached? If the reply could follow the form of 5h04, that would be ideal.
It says 11h49
